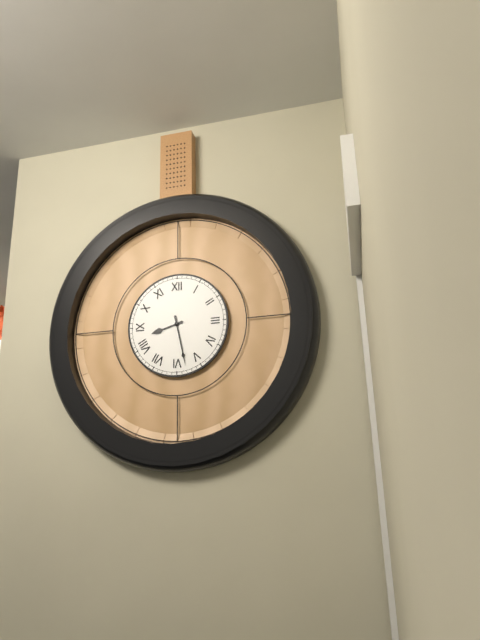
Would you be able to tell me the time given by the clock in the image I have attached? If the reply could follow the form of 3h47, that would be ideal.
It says 8h28
